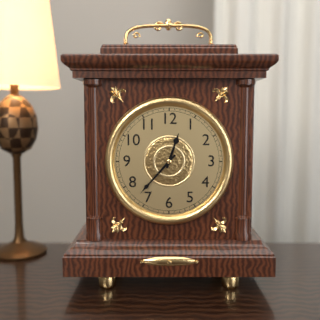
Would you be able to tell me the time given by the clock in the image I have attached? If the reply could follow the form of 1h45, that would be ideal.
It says 12h37
